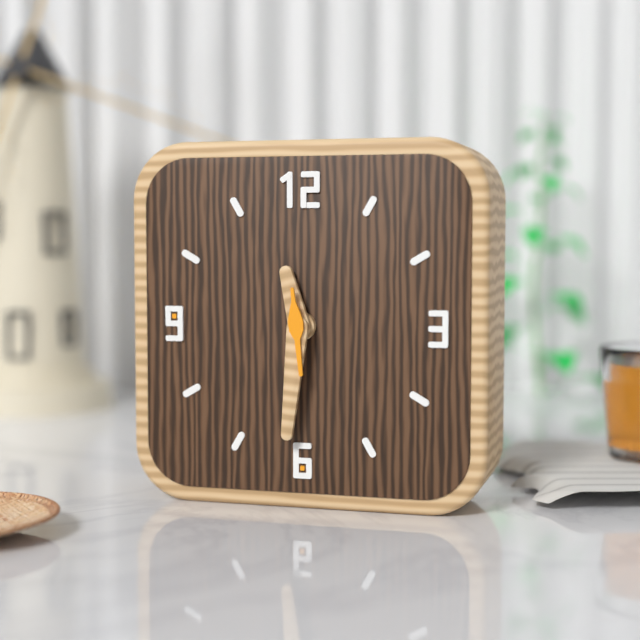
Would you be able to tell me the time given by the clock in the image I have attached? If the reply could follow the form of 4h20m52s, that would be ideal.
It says 11h31m29s
